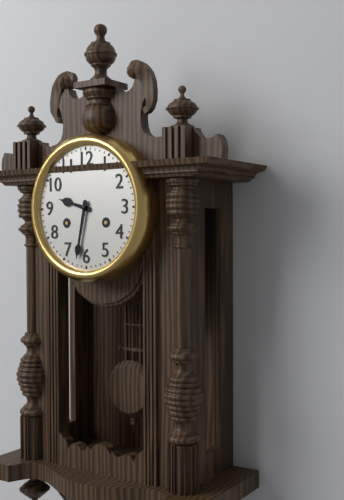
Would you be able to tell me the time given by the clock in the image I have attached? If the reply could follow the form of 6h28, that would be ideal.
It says 9h32
